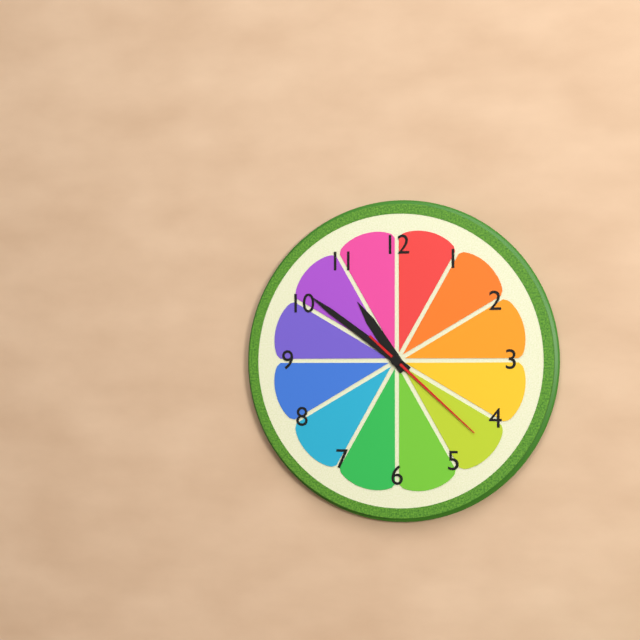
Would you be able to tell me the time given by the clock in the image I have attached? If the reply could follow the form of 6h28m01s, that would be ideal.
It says 10h51m22s
